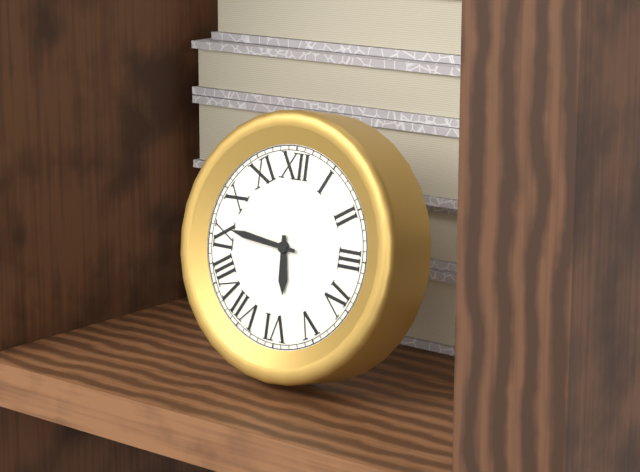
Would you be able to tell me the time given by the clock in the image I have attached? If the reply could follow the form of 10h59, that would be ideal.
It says 5h46
